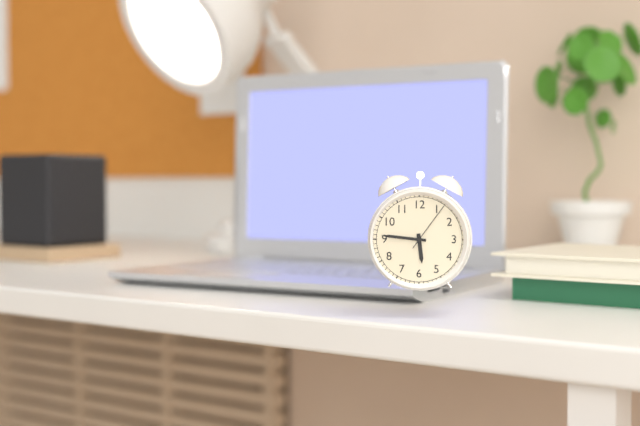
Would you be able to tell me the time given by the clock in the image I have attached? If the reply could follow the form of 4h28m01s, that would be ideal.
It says 5h46m06s
